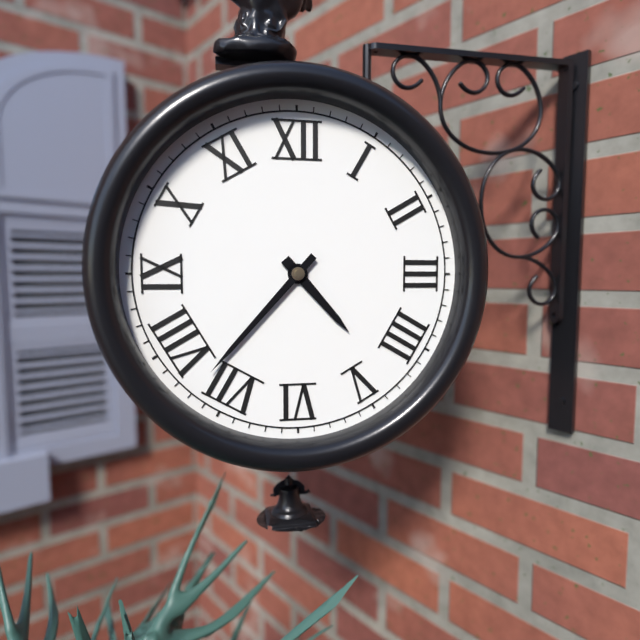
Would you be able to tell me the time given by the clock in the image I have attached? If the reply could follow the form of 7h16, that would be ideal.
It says 4h37
